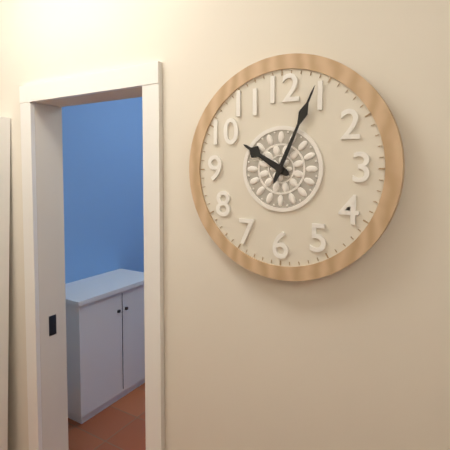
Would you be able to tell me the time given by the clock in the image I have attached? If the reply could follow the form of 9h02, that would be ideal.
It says 10h04
